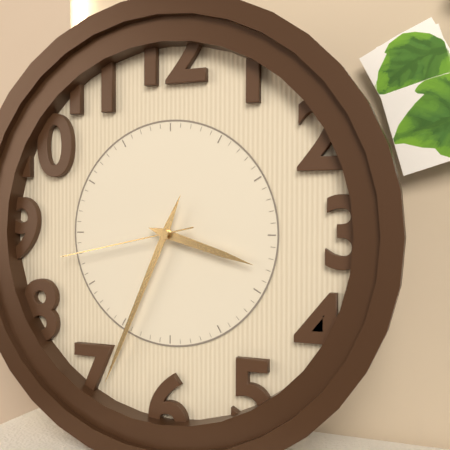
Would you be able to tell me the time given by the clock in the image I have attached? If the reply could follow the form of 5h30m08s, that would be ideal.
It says 3h34m43s
